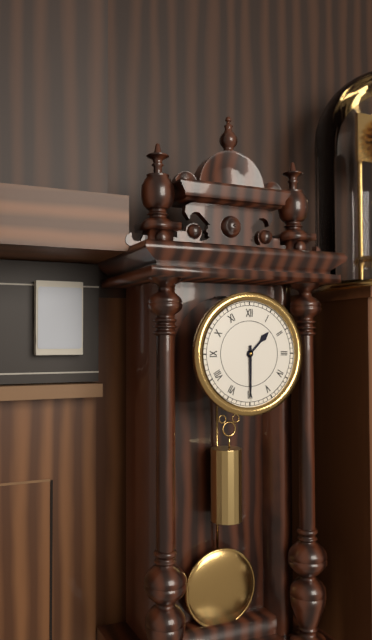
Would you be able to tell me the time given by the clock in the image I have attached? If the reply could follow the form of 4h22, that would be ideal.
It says 1h30
